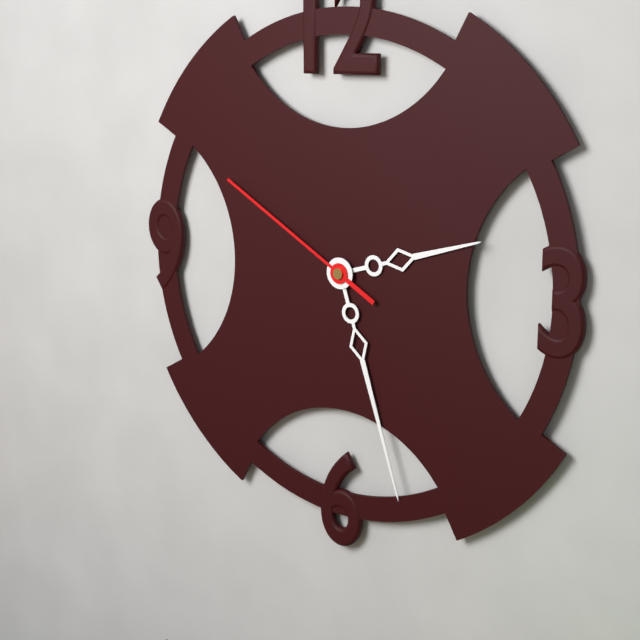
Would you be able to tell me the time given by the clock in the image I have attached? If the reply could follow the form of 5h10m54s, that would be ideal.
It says 2h27m50s
